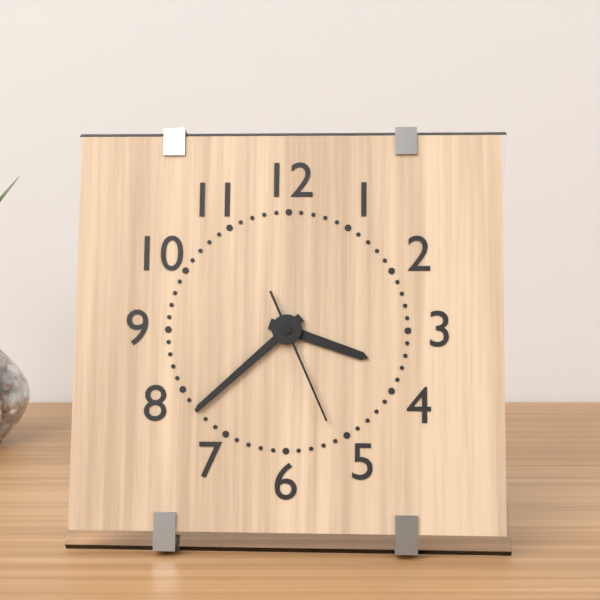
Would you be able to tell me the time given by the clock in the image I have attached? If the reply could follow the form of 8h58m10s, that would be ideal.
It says 3h38m26s
